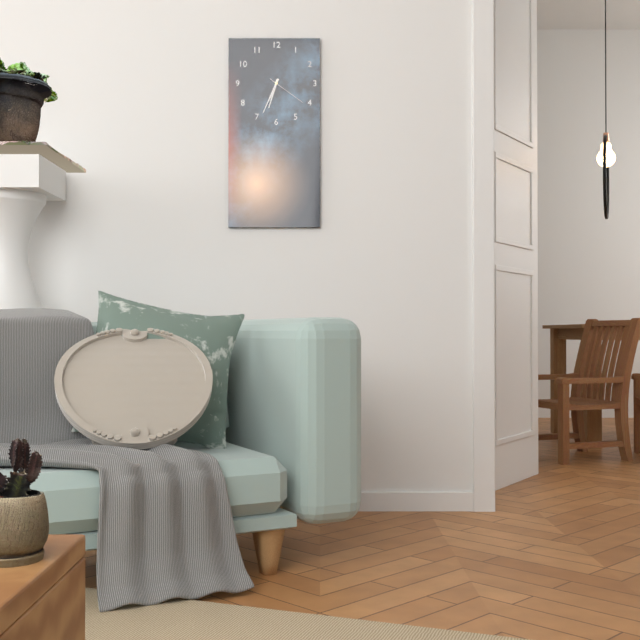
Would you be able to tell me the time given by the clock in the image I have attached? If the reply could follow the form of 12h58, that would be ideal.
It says 6h34
